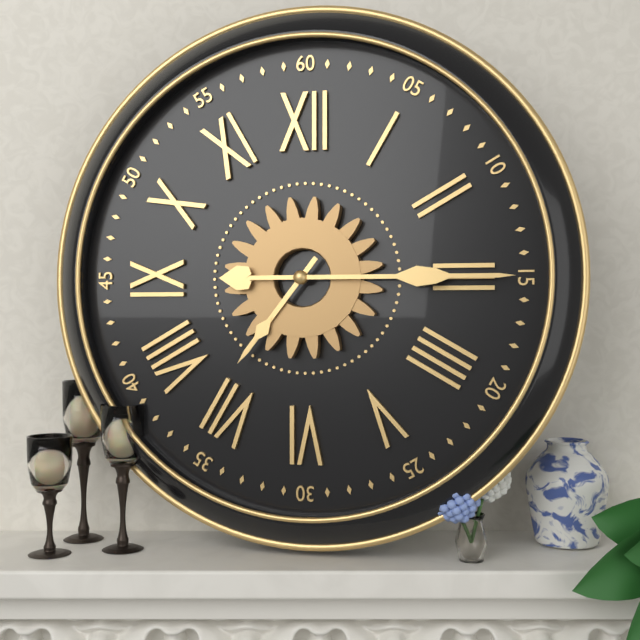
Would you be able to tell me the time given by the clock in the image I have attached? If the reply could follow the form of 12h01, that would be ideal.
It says 7h15
